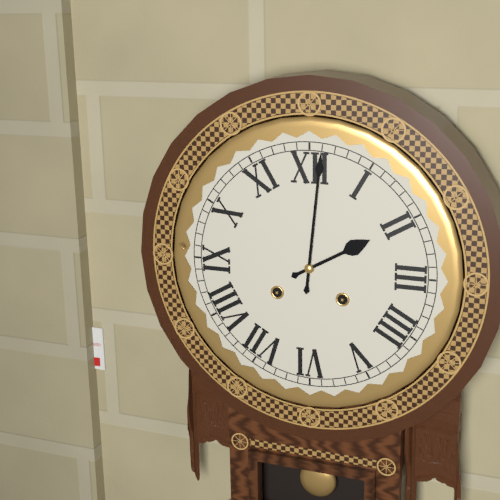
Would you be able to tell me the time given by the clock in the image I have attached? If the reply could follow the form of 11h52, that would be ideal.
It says 2h01
